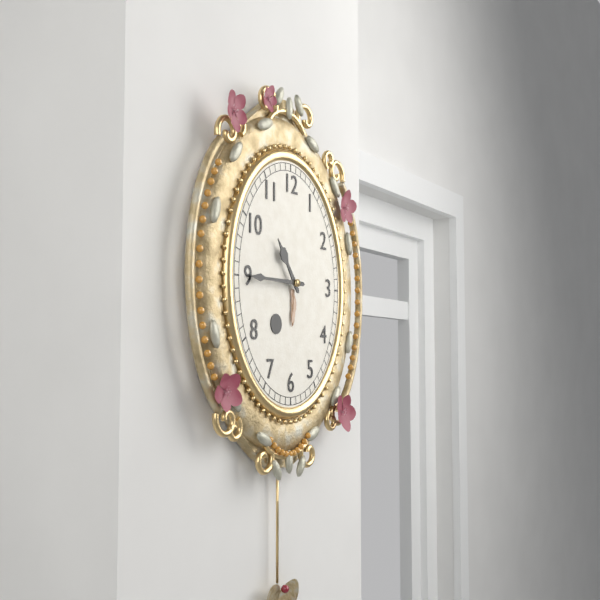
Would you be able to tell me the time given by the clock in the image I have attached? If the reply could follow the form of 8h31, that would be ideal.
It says 10h45
